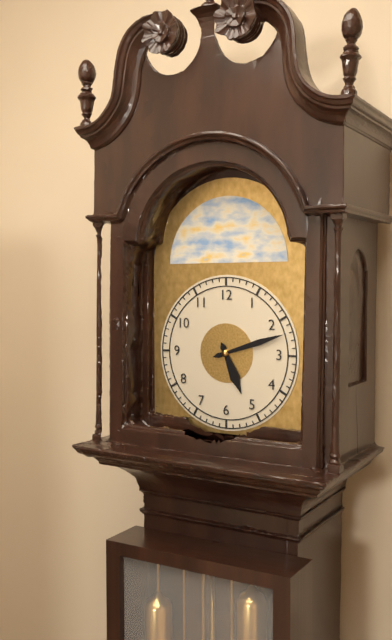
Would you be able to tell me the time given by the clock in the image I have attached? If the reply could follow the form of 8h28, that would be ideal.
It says 5h12
